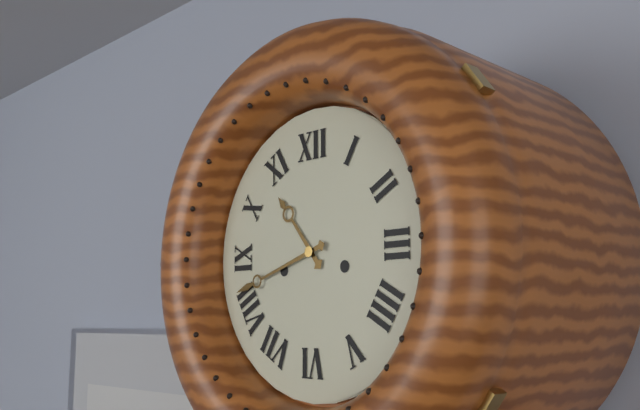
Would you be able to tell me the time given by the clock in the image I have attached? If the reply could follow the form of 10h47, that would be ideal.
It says 10h42
